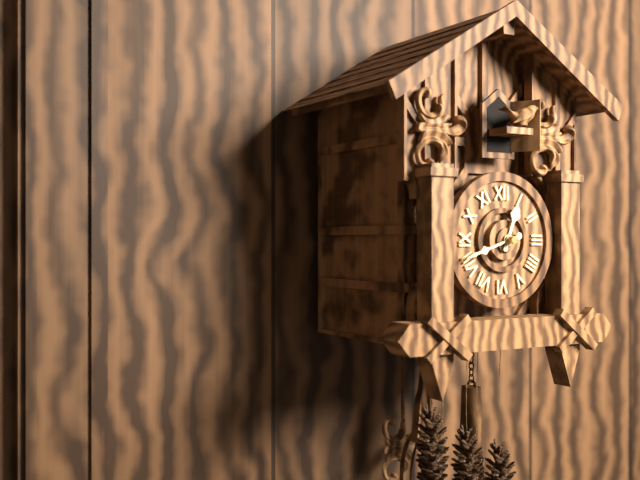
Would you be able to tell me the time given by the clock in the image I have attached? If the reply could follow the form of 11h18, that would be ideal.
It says 12h42
